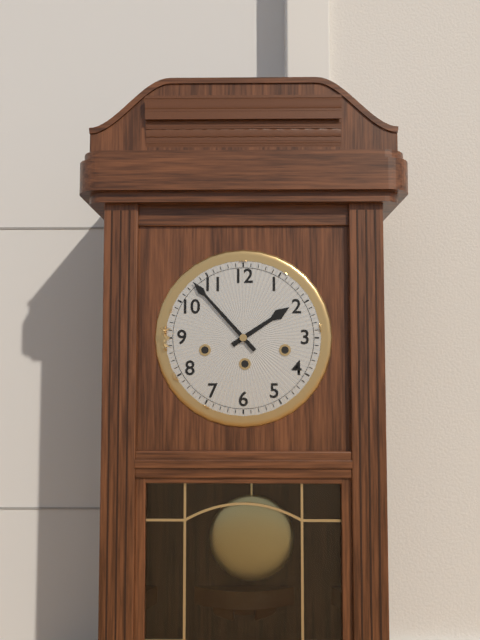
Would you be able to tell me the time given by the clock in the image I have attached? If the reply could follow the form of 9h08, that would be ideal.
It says 1h53
